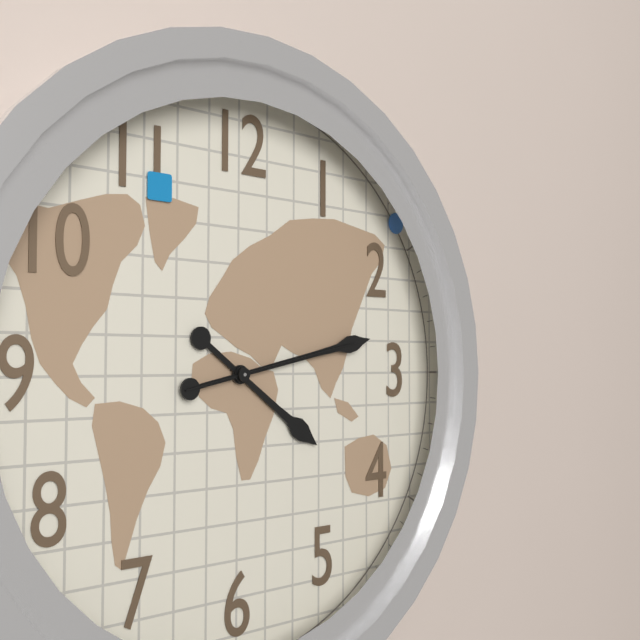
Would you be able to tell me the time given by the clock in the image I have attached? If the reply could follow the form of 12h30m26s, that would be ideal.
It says 4h13m13s
